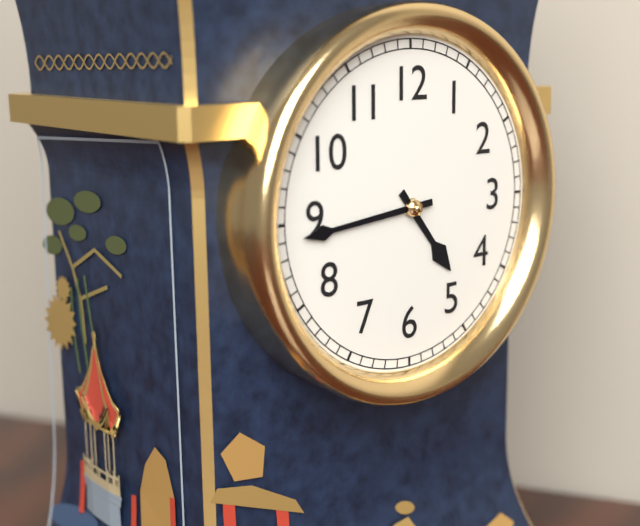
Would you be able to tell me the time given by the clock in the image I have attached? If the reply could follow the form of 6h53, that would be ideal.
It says 4h44
